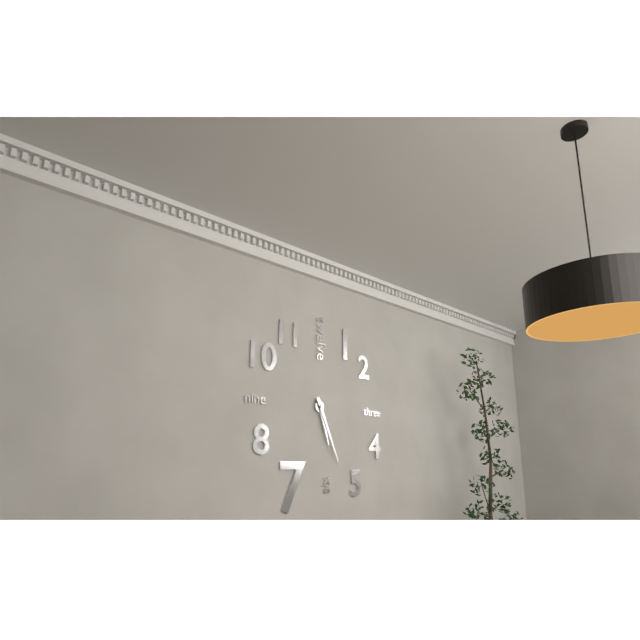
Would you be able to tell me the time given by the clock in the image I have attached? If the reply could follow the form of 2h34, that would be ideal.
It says 5h26
